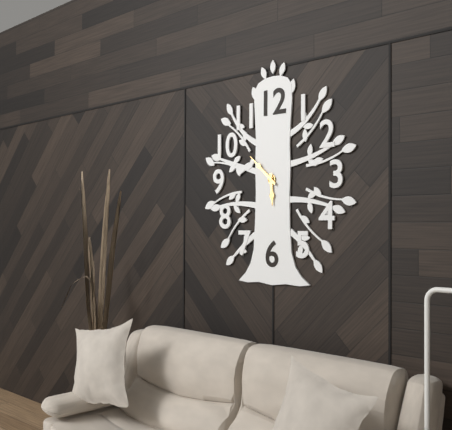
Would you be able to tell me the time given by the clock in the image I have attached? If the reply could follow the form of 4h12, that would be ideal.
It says 5h52
